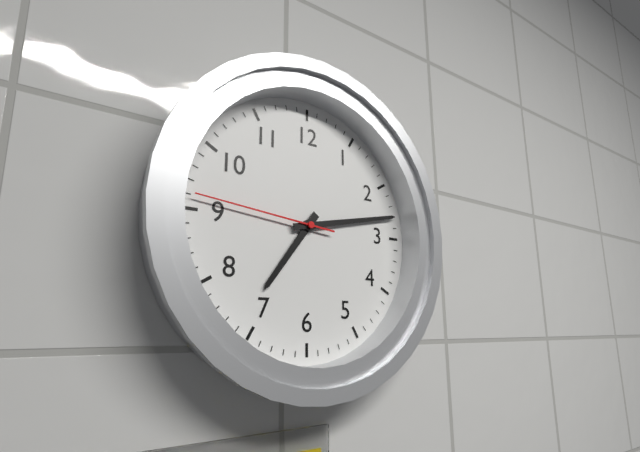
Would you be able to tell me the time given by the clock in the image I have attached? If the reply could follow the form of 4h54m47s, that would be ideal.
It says 7h13m46s
